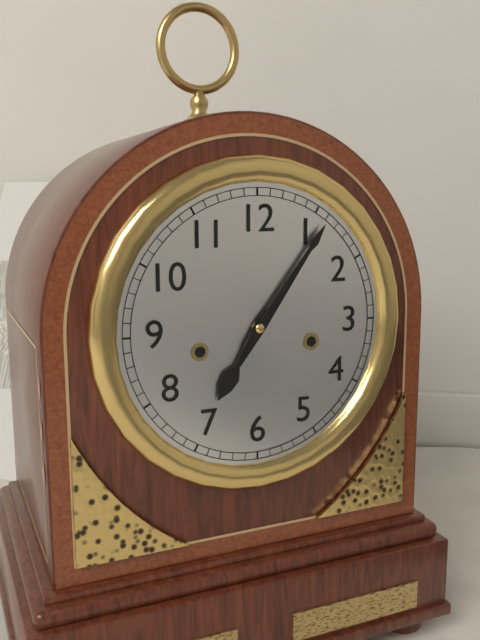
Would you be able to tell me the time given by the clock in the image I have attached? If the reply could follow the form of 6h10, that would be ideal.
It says 7h06
